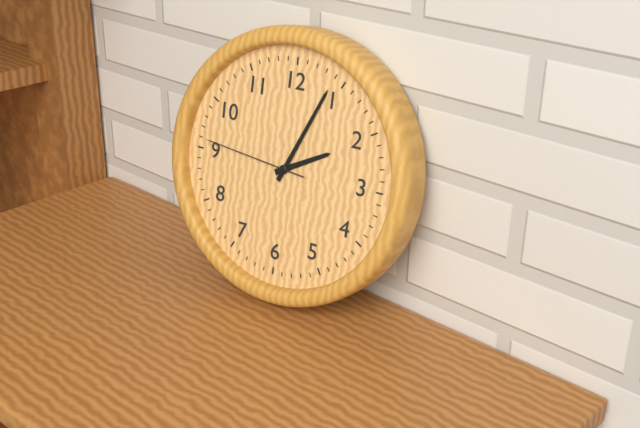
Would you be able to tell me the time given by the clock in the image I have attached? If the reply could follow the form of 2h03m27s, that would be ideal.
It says 2h04m46s
